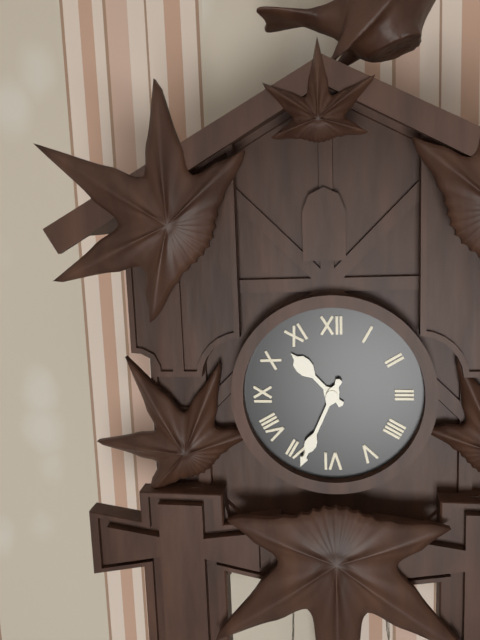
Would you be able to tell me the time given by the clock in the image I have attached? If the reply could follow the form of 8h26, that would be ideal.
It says 10h34
